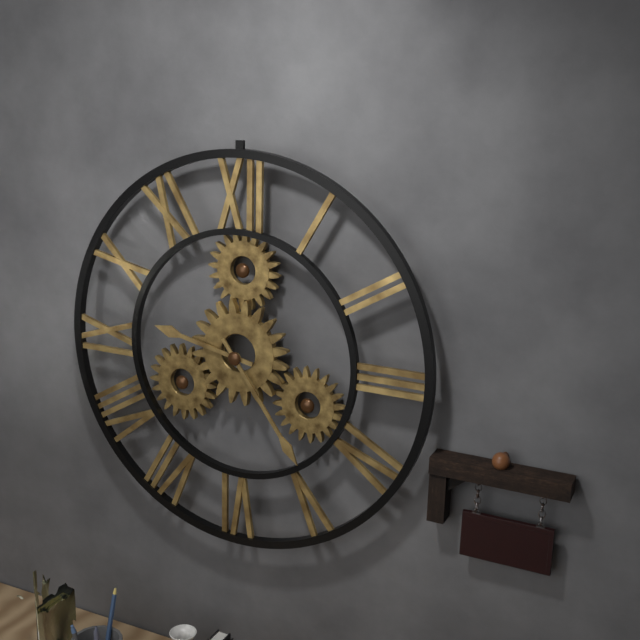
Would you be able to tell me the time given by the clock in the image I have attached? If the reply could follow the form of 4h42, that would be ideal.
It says 9h24
